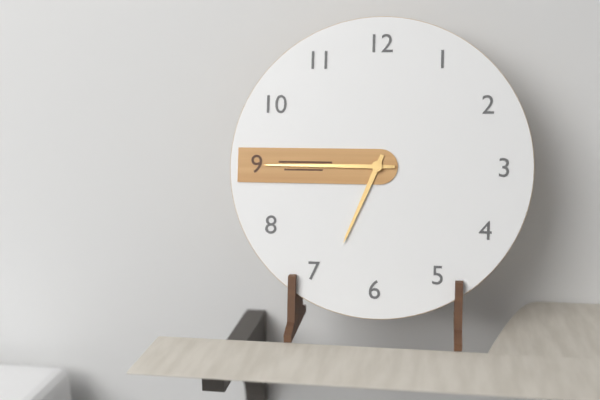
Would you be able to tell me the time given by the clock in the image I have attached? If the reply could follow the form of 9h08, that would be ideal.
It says 6h45
